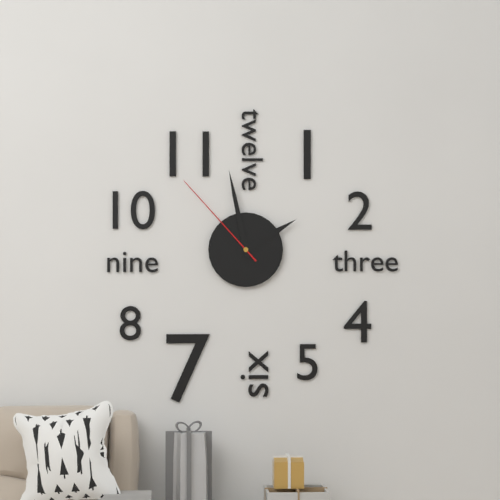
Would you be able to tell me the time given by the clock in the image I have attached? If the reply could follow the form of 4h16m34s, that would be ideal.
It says 1h58m53s
